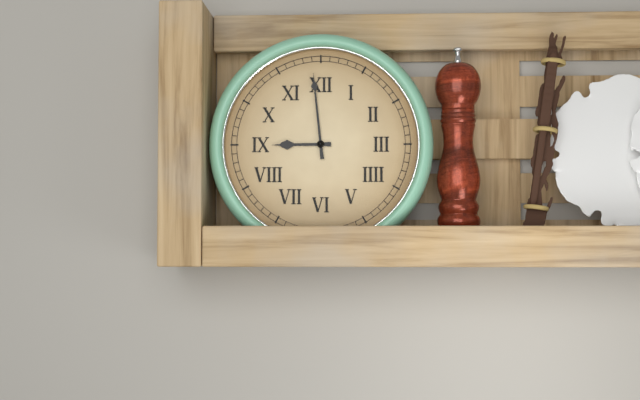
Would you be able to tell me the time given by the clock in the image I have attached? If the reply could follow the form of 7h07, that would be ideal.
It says 8h59
